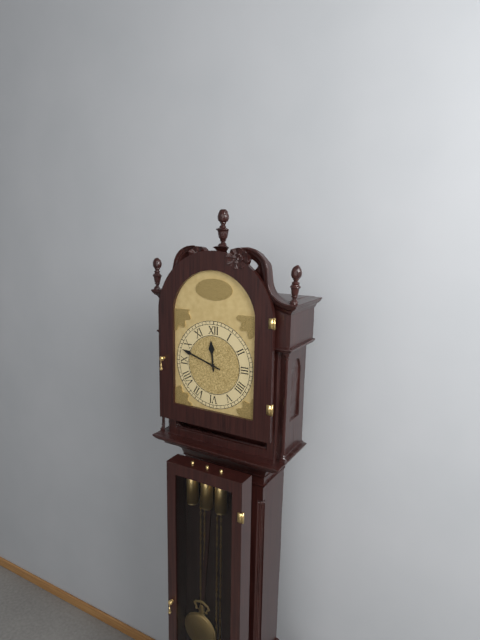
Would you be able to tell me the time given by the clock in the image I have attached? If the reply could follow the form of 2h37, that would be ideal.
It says 11h48
